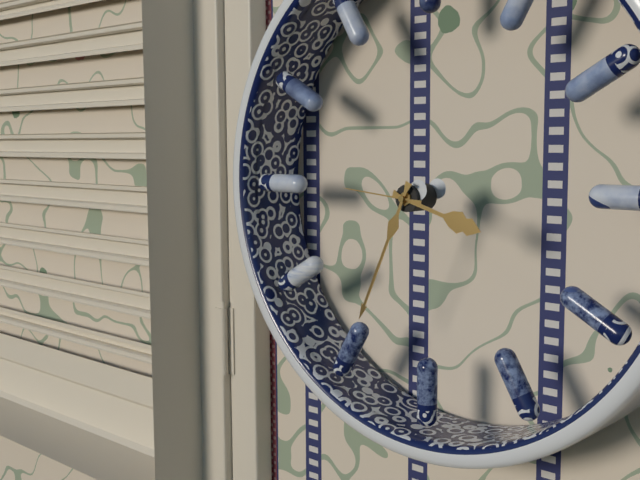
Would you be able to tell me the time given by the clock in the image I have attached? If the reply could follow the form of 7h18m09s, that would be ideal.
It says 3h34m46s
